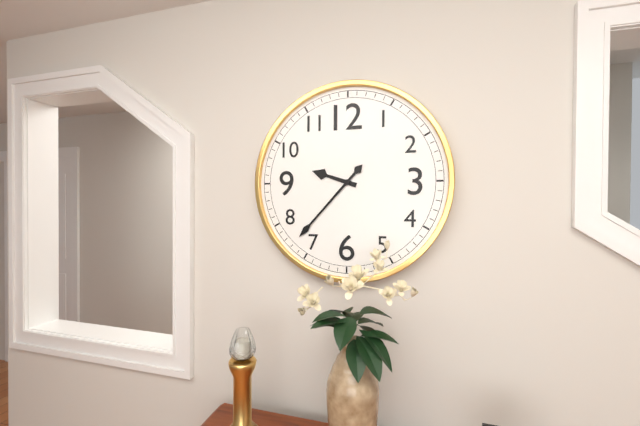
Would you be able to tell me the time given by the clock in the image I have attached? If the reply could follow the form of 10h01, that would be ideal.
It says 9h37
